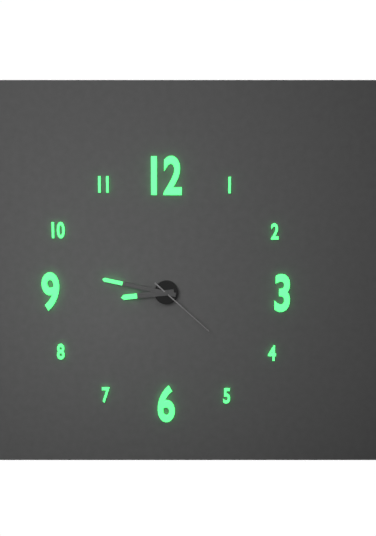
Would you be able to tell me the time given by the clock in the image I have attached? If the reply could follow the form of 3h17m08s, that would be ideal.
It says 8h47m22s
